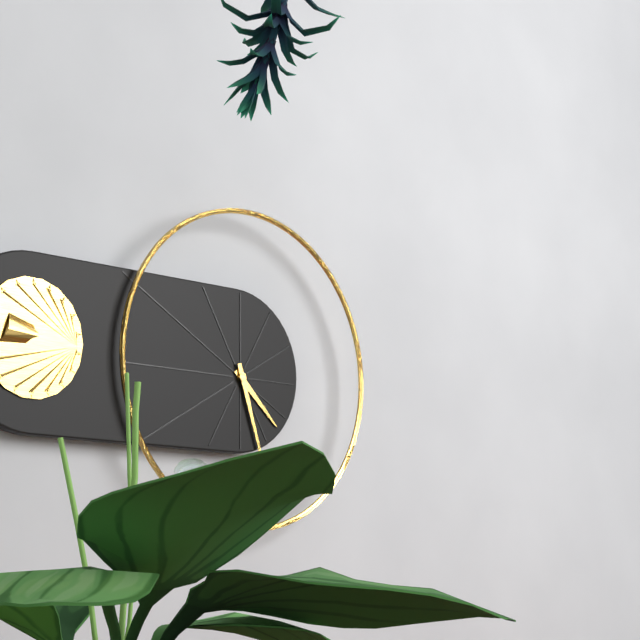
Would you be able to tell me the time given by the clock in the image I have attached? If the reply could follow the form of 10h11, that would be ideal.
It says 4h27
